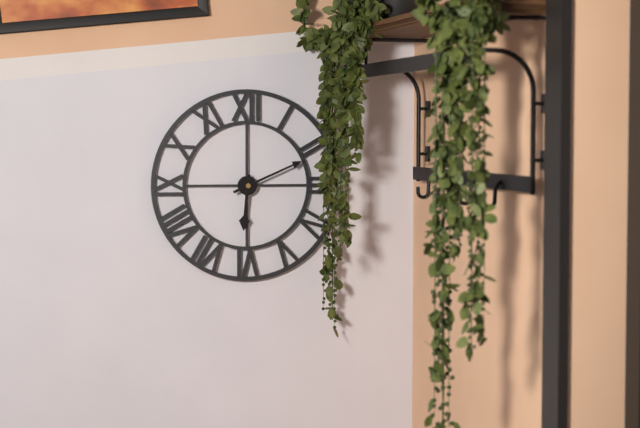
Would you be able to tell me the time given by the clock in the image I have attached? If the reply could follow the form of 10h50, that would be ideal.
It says 6h11
